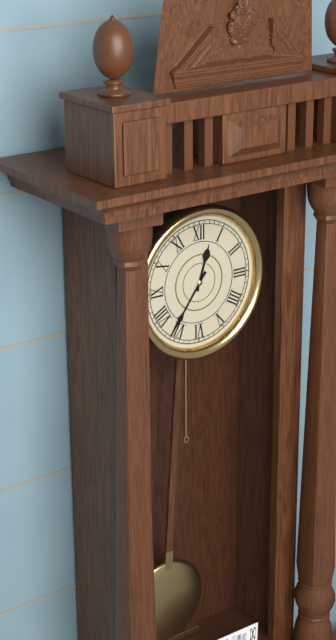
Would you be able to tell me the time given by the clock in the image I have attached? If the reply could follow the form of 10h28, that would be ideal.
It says 12h36
